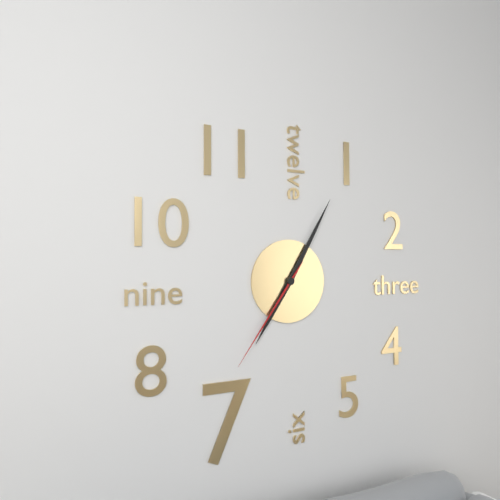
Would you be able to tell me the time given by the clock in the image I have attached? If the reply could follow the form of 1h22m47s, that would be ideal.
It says 7h05m36s
